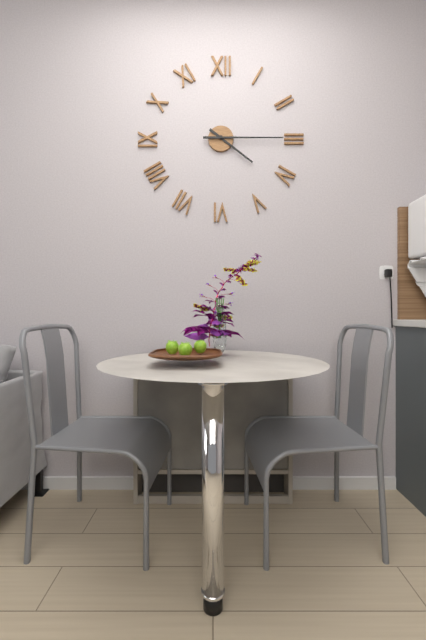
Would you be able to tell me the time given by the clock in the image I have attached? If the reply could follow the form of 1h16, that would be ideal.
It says 4h15
